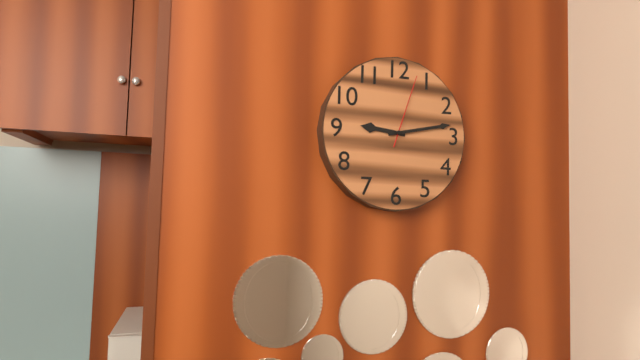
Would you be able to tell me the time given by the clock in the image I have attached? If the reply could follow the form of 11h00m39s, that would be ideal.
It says 9h13m03s
